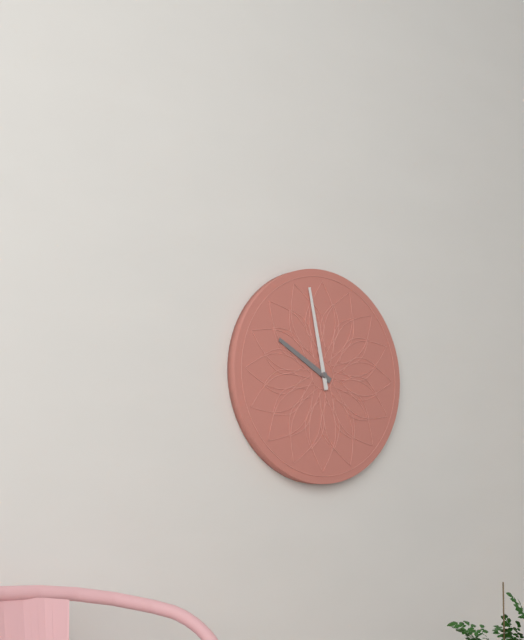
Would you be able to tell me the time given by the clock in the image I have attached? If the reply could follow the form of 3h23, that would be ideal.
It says 9h58
